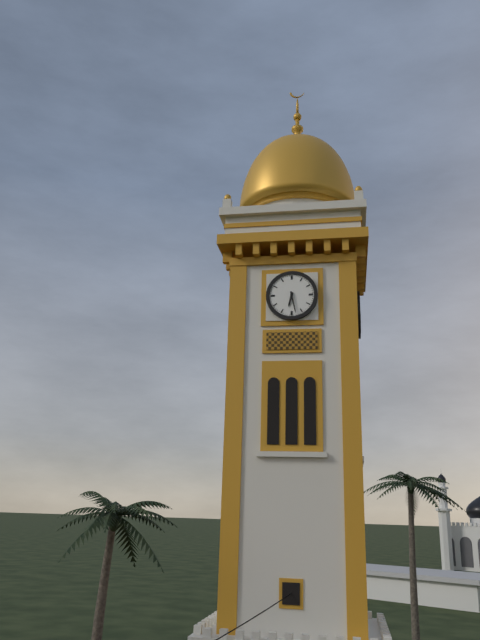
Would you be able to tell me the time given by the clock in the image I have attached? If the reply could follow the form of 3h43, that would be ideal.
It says 6h28
